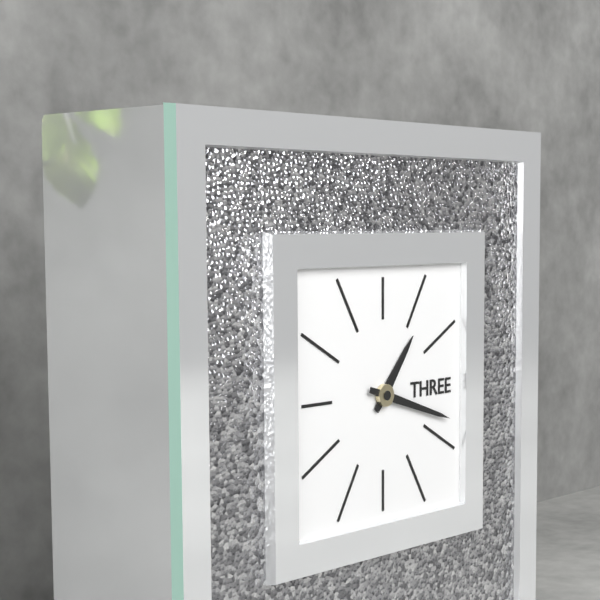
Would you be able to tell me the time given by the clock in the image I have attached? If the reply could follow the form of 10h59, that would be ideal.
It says 1h18
